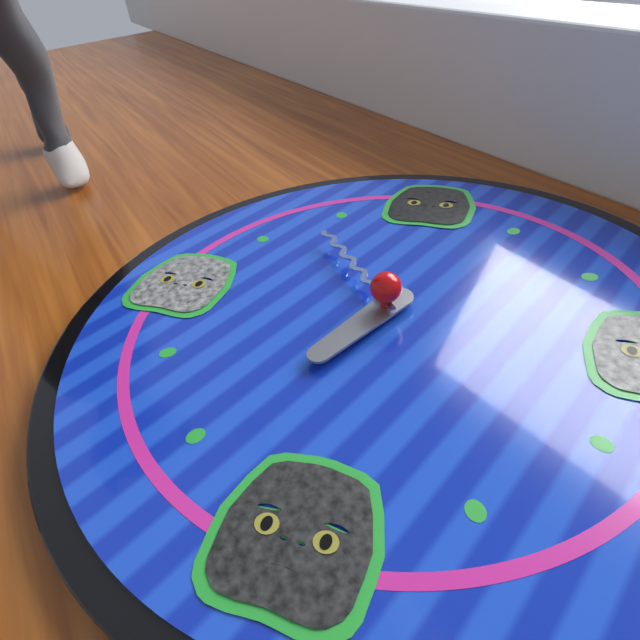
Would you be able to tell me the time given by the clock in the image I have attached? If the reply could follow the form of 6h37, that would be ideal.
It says 6h53
